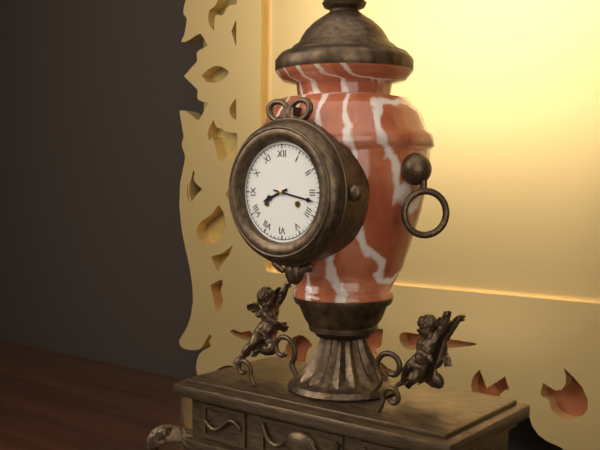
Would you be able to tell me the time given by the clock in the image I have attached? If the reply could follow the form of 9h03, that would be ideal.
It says 8h17
